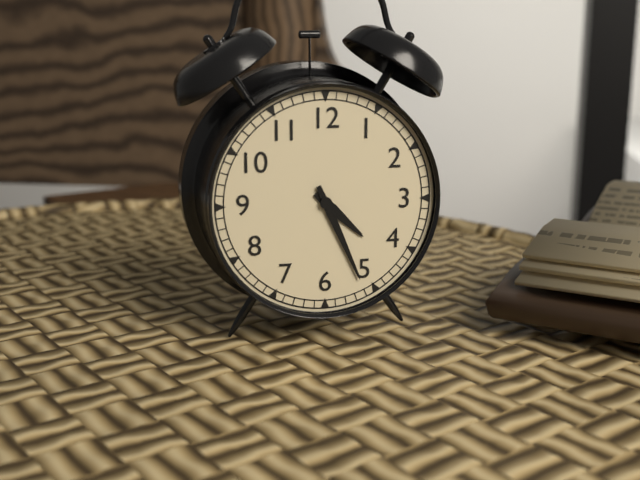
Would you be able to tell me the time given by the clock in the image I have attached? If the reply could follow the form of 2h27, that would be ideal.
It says 4h26
